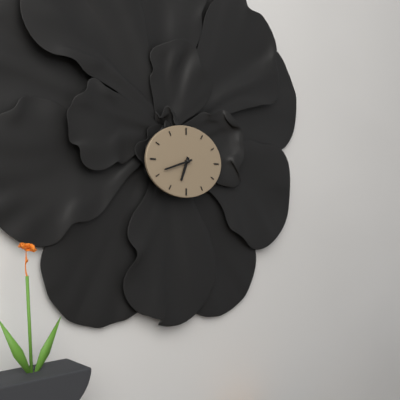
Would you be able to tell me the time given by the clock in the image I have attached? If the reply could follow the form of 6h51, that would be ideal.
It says 6h42
